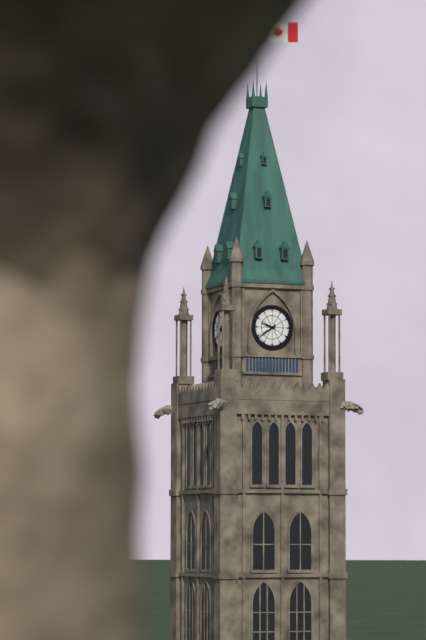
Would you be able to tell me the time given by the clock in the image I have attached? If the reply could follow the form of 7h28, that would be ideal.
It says 9h39
